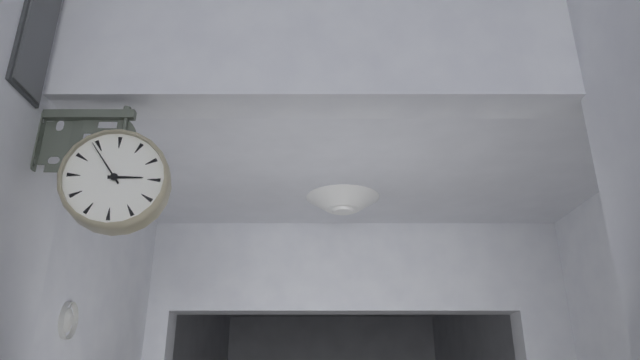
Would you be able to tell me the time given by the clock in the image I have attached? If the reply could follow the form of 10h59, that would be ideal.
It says 2h54
